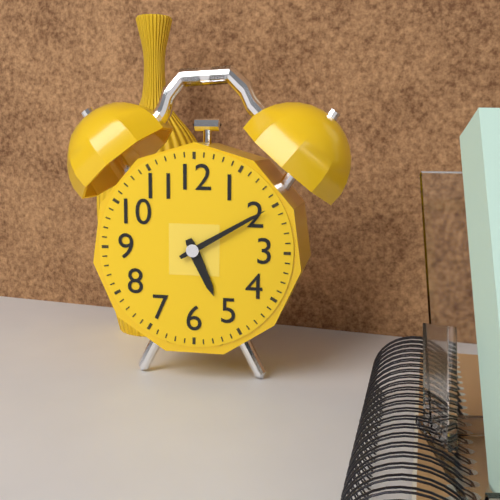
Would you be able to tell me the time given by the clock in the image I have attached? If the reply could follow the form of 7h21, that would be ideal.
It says 5h10
